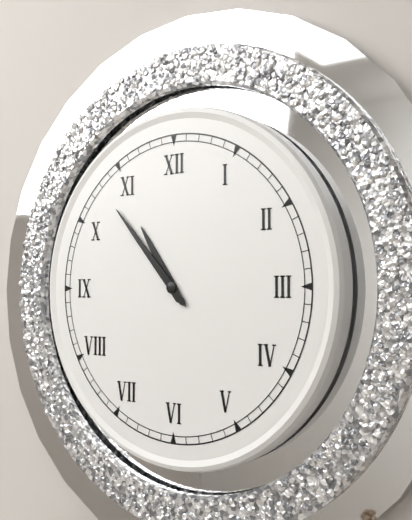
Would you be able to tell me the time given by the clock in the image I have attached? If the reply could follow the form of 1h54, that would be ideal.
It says 10h53
